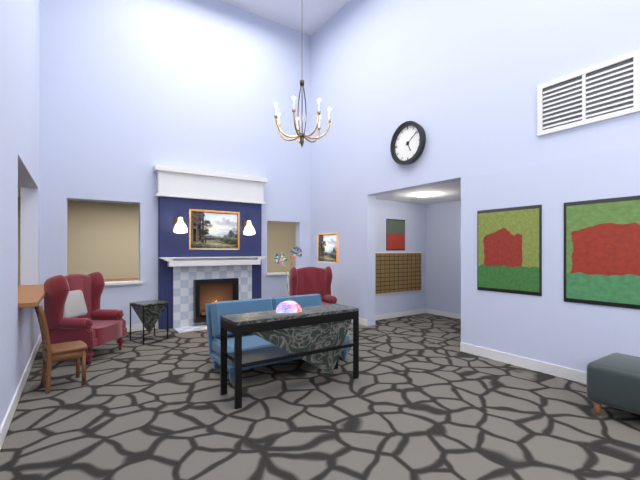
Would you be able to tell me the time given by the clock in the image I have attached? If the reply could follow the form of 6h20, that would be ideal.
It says 5h09
